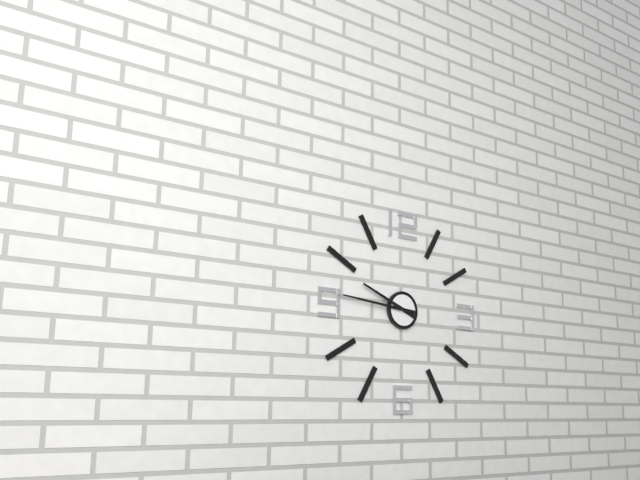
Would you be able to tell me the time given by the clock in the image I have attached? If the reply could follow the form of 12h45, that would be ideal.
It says 9h46
